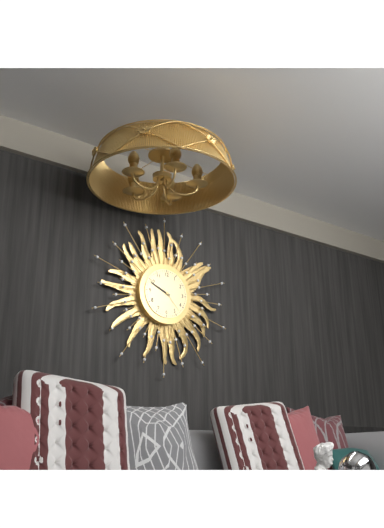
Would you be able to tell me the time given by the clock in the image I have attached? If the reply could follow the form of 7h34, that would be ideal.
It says 9h49
